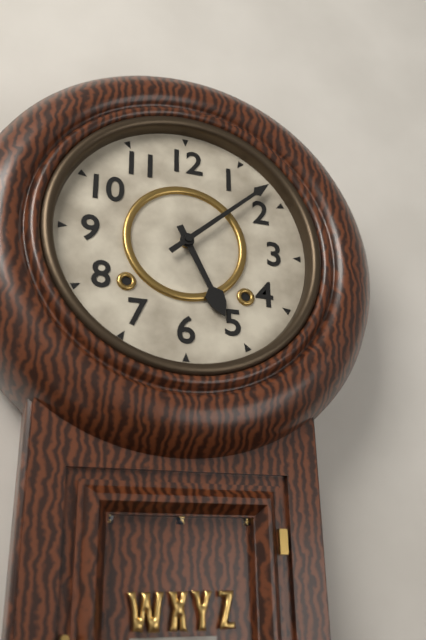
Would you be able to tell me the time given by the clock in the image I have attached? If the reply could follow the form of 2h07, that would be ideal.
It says 5h08
